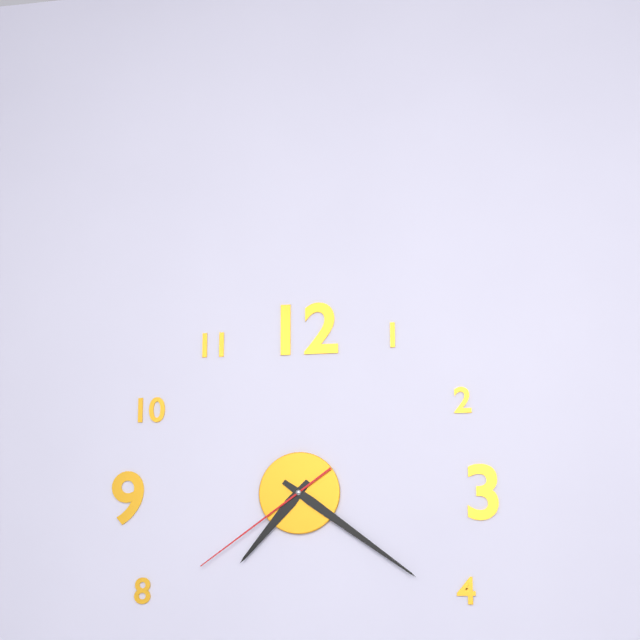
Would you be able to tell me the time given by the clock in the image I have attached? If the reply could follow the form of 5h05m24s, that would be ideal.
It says 7h21m39s
